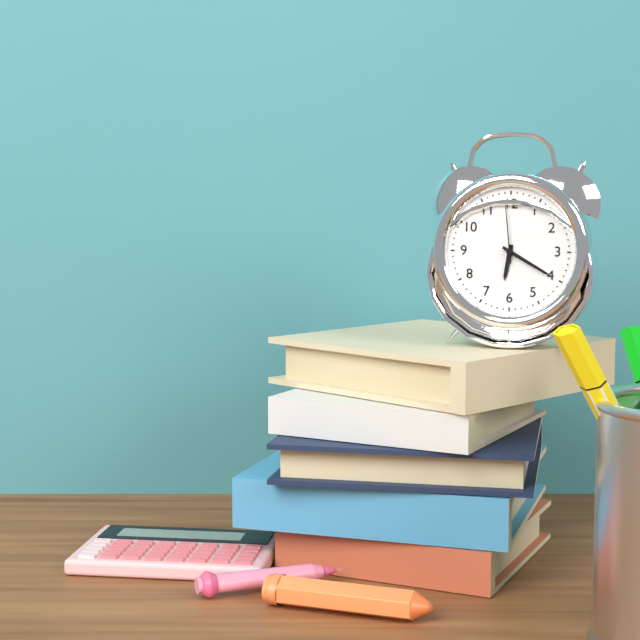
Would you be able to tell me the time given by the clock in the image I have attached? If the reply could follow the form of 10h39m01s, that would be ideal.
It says 6h20m59s
